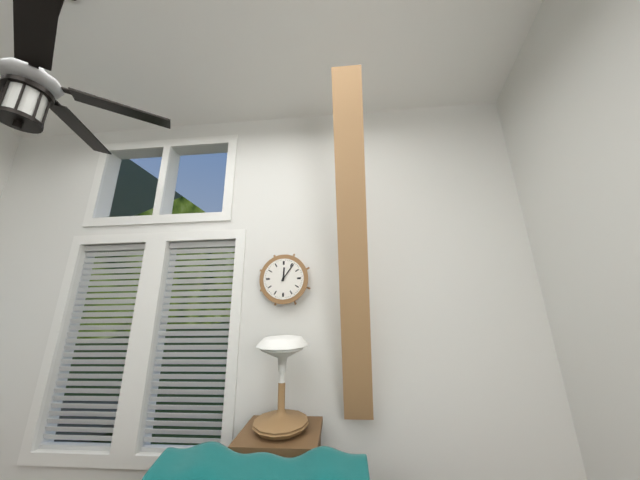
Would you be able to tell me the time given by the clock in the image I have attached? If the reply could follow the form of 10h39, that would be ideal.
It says 12h06
